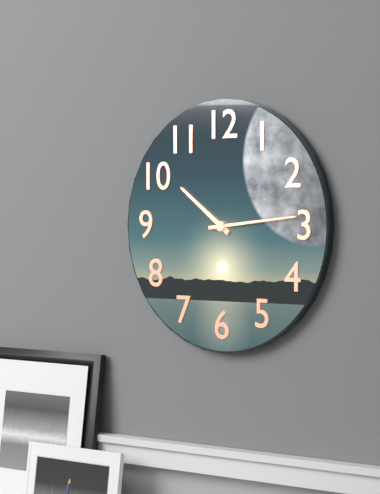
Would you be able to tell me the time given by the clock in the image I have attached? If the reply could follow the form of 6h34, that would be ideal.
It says 10h14
